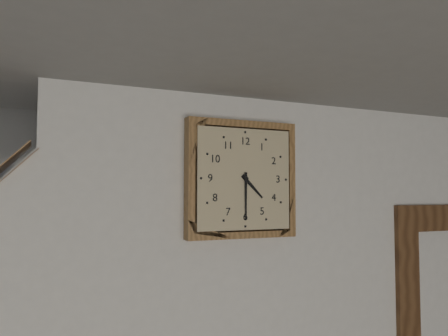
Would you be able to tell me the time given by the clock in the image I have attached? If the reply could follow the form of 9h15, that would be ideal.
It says 4h30
